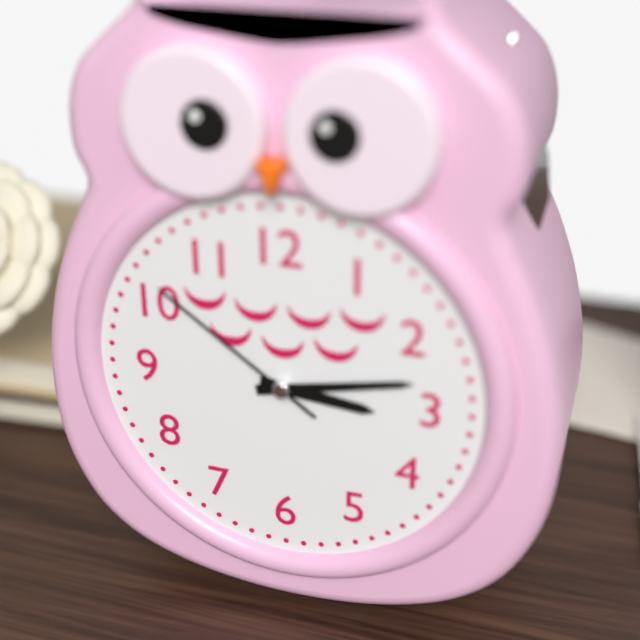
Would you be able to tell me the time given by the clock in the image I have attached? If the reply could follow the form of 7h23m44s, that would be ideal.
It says 3h13m51s
